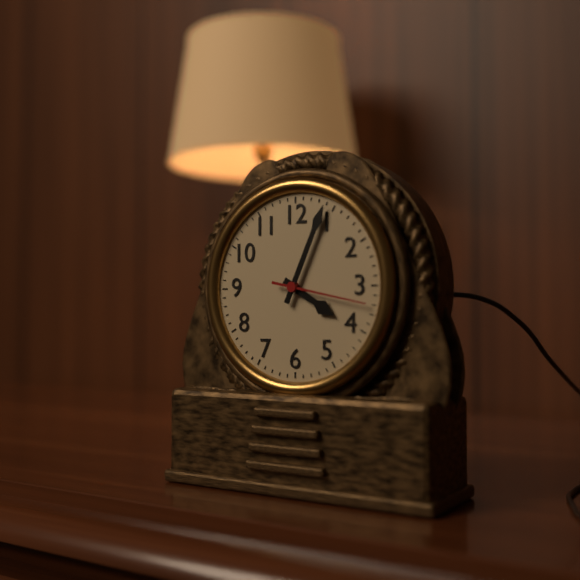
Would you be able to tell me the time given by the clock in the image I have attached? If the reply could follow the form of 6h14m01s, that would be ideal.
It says 4h04m17s
